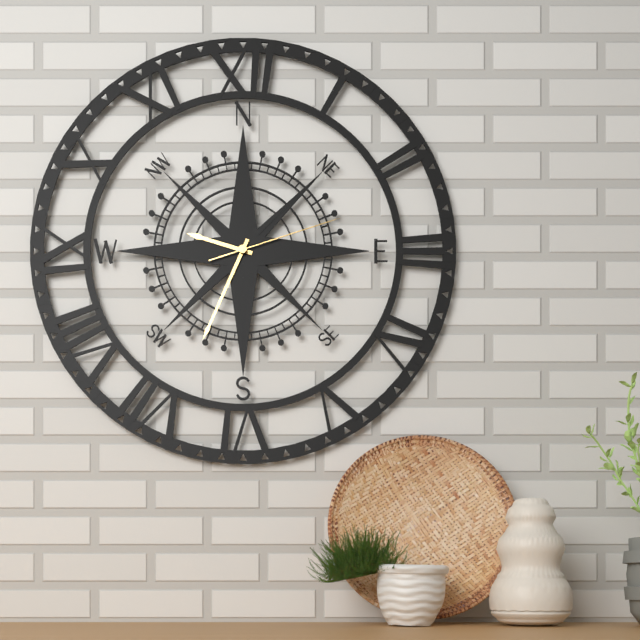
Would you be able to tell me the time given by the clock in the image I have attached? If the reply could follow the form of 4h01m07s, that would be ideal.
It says 9h34m12s
